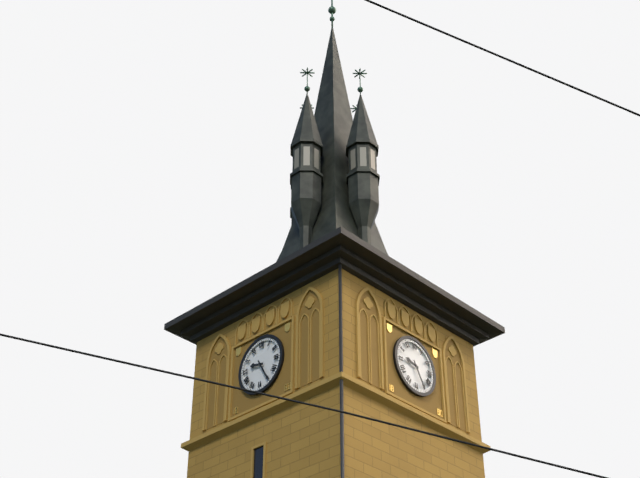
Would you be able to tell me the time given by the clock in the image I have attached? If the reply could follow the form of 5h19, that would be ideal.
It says 9h25
